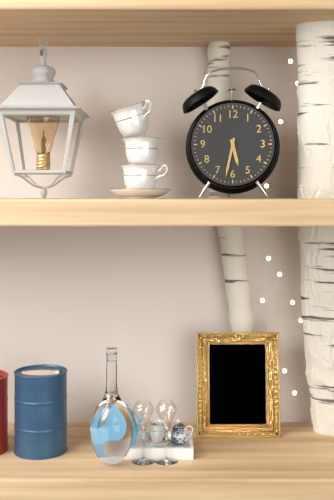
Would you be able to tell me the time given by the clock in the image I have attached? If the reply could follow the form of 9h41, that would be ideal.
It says 5h32
